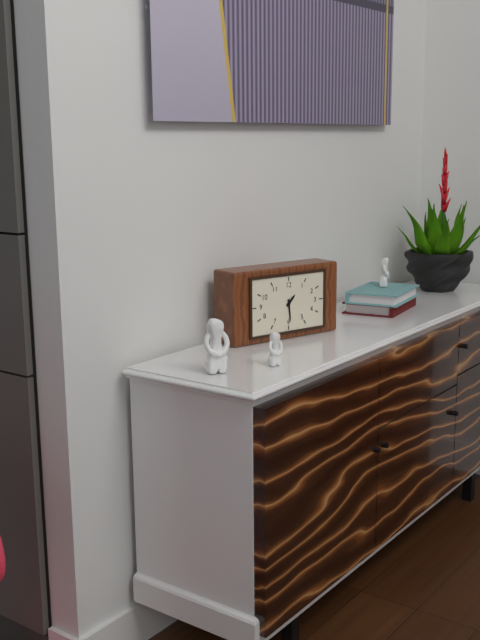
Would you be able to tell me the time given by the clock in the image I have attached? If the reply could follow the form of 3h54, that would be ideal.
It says 1h29
